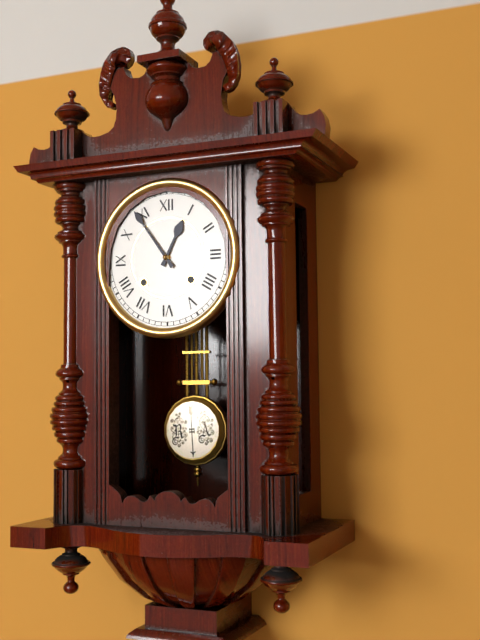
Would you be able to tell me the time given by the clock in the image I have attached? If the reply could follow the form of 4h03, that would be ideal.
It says 12h54
